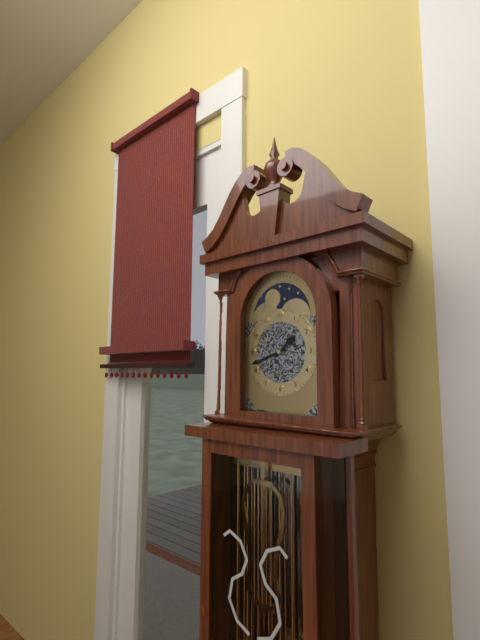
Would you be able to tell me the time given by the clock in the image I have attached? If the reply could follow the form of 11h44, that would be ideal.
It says 1h42
